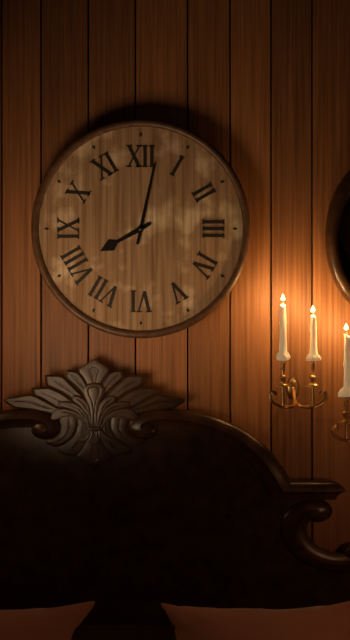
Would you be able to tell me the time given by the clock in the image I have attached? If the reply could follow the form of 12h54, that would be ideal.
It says 8h02
